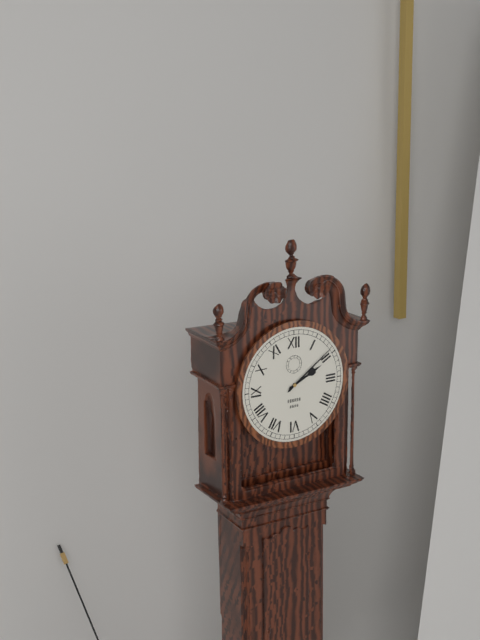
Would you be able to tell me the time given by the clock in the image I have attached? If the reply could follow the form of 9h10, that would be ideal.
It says 2h09
